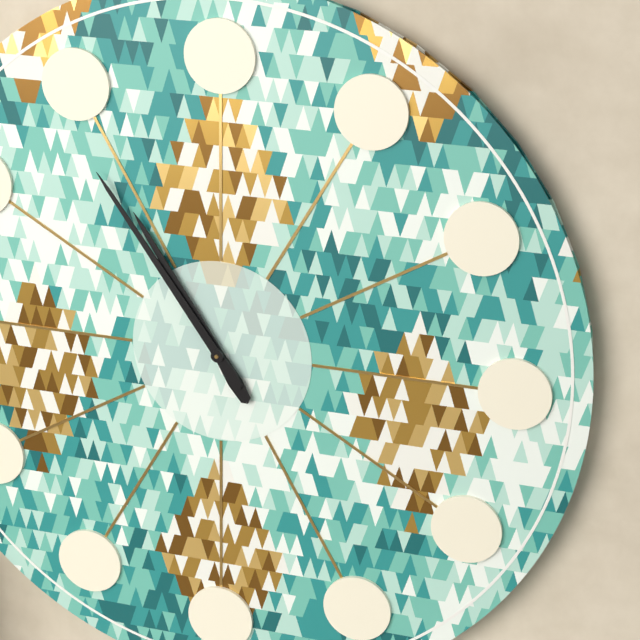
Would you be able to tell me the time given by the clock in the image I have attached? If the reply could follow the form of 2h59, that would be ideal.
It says 10h54
